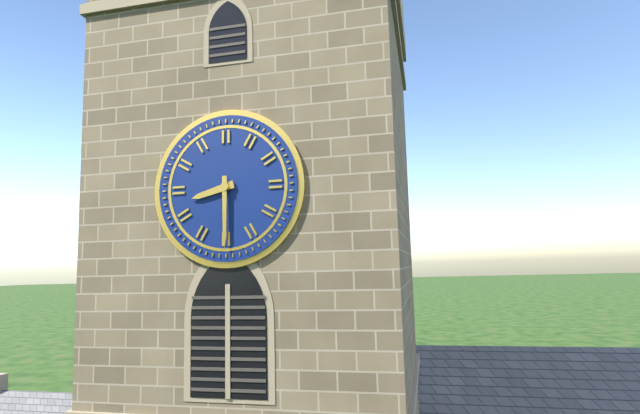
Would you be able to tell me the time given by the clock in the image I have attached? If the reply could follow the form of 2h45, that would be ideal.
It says 8h30
